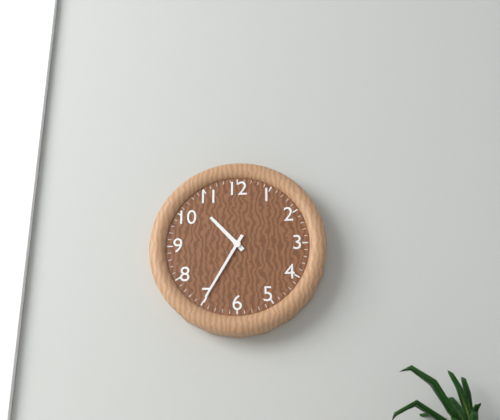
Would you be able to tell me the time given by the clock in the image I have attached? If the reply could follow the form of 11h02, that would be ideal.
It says 10h35
